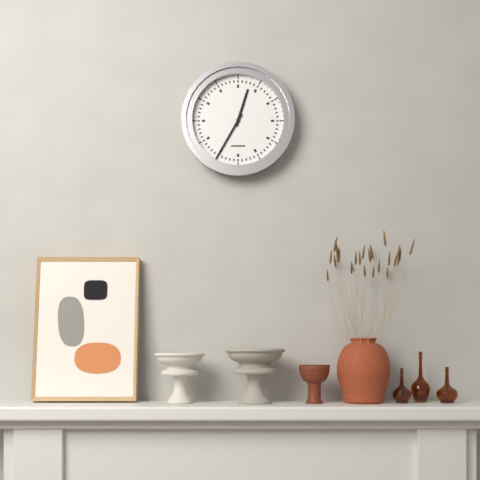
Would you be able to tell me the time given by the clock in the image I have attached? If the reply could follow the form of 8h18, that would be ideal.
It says 12h35
